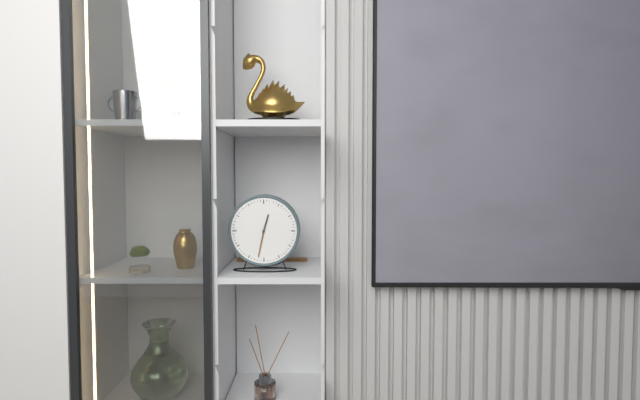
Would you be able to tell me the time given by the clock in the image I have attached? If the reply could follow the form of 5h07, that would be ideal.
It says 12h32
